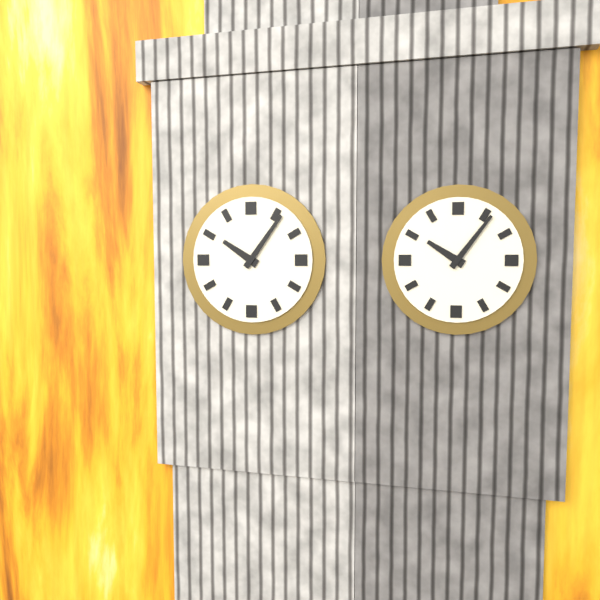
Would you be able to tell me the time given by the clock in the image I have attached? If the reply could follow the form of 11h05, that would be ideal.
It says 10h06
